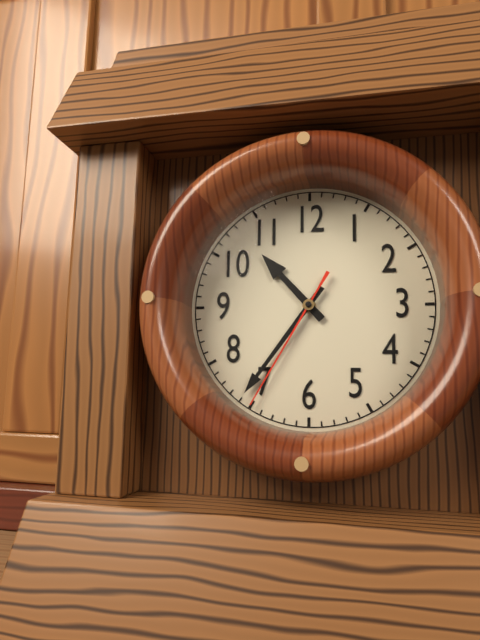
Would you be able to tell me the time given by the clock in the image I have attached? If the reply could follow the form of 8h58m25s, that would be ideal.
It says 10h36m35s
